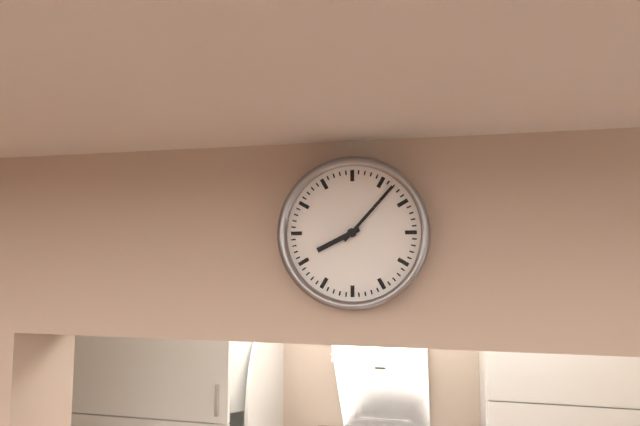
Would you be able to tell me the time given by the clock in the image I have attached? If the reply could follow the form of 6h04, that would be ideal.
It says 8h07
